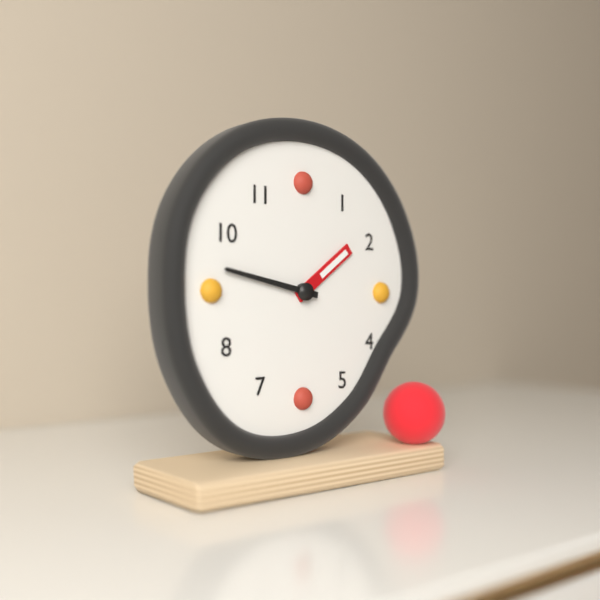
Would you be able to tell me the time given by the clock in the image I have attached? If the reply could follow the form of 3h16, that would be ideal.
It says 1h47
